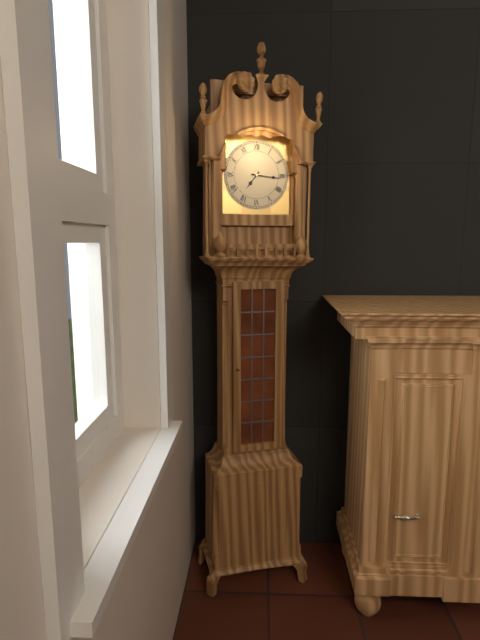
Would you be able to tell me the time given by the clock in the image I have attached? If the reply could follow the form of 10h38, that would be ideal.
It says 7h16
